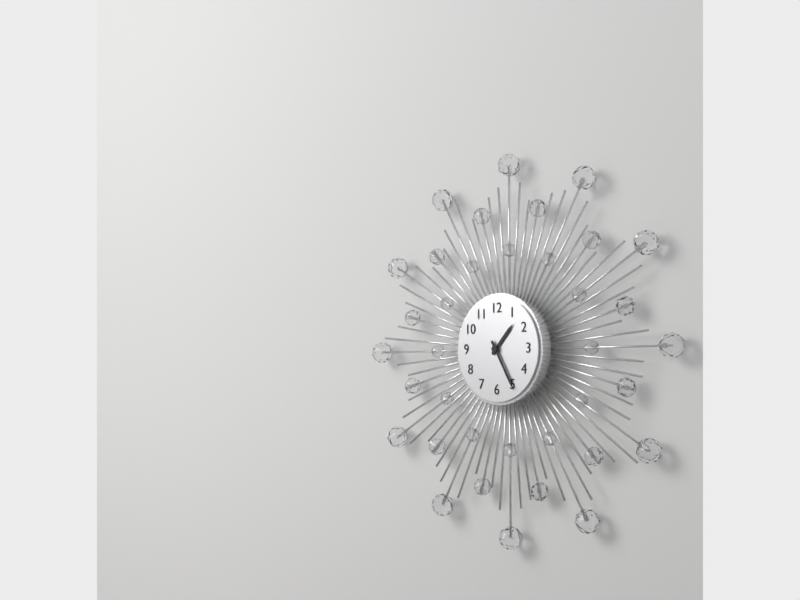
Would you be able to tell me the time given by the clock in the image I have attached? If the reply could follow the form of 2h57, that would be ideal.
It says 1h25
